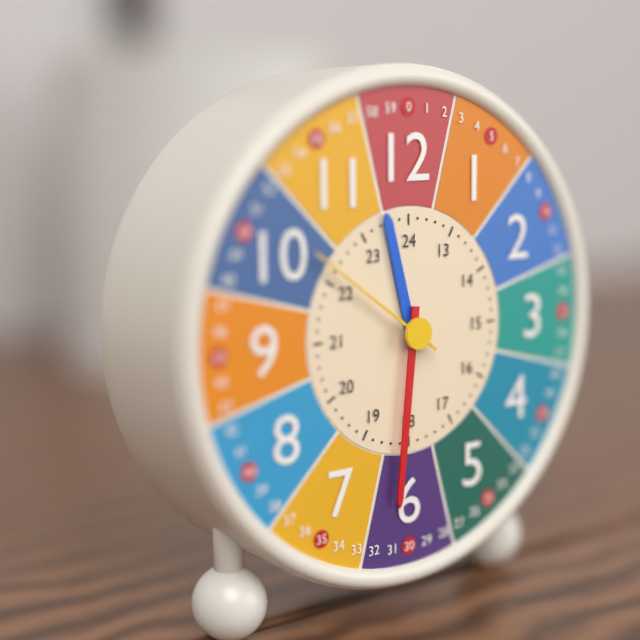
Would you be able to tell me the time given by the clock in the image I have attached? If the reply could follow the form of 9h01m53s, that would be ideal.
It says 11h31m51s
